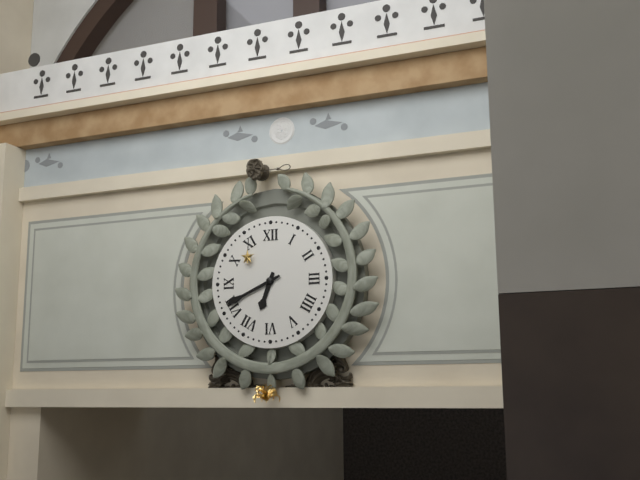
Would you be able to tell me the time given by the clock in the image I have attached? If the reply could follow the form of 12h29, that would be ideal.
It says 6h41
